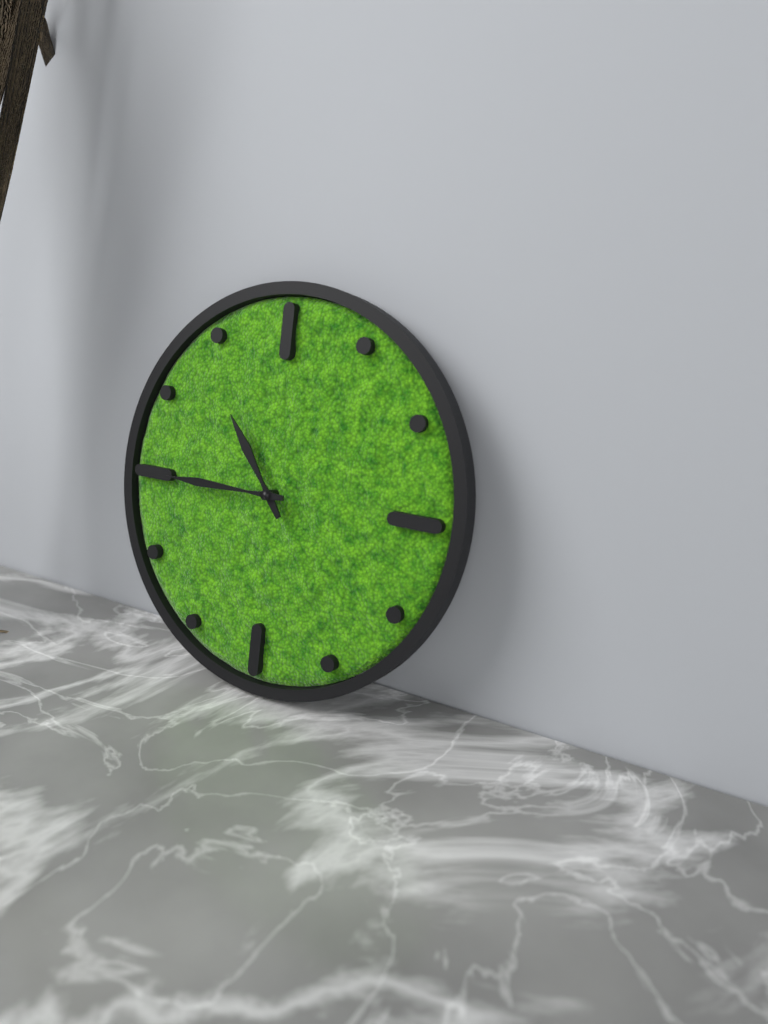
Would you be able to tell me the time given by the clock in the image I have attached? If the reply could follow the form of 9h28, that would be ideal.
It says 10h45
